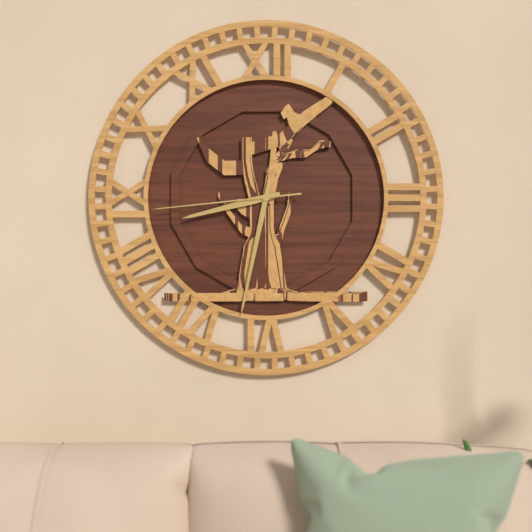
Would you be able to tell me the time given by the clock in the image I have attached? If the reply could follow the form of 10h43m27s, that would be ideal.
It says 8h32m44s
